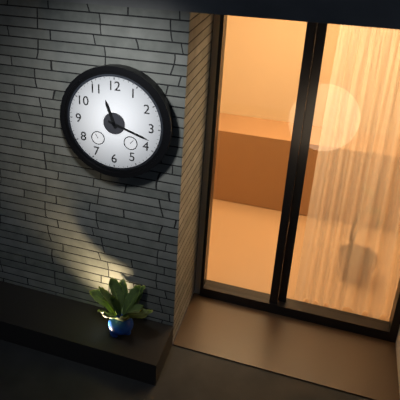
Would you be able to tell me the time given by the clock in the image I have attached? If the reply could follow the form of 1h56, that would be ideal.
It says 11h18
